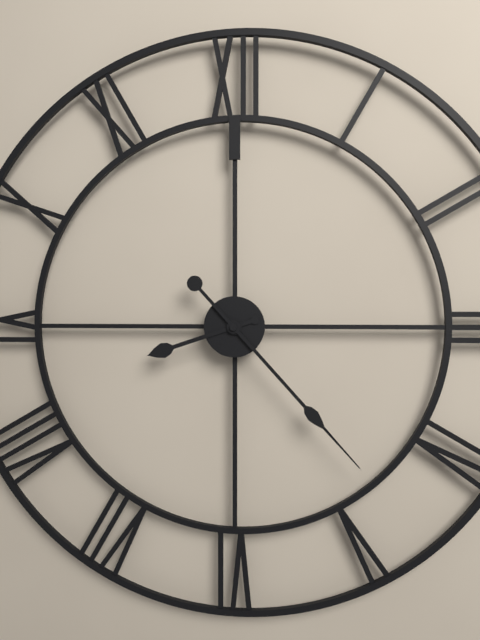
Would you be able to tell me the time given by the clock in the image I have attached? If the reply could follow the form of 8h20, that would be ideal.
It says 8h23
